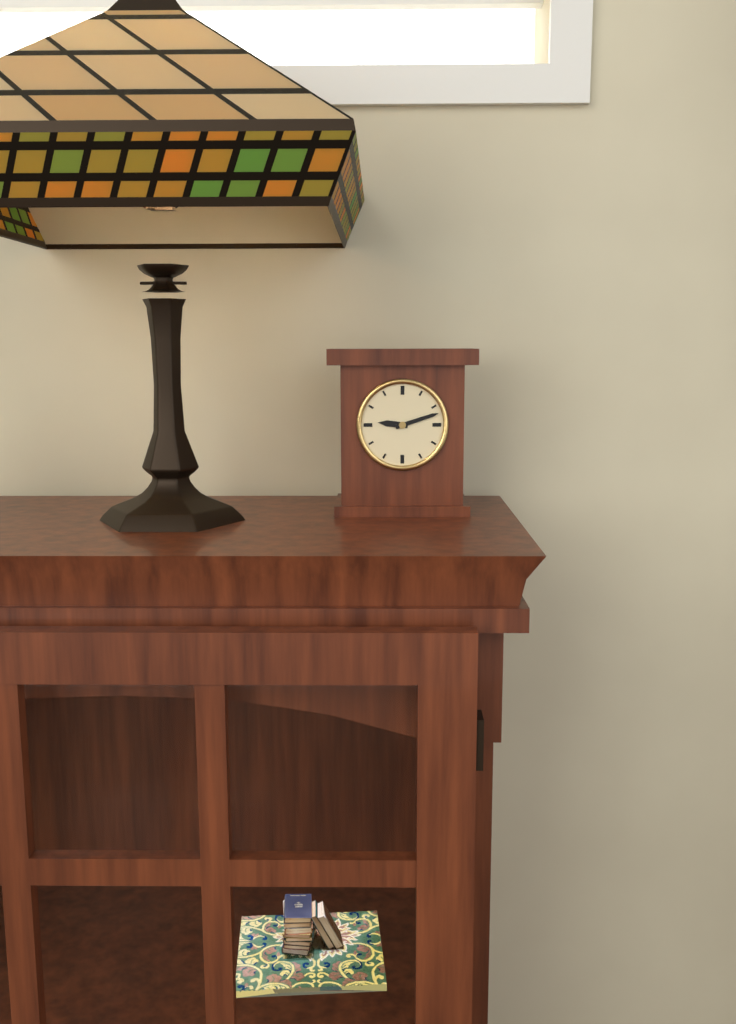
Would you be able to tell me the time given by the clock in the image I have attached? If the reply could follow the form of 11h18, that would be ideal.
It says 9h12
